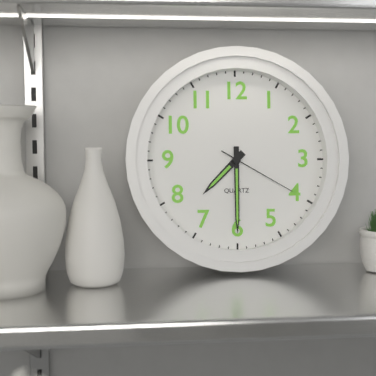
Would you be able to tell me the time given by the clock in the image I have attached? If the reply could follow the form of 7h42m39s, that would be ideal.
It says 7h30m20s
